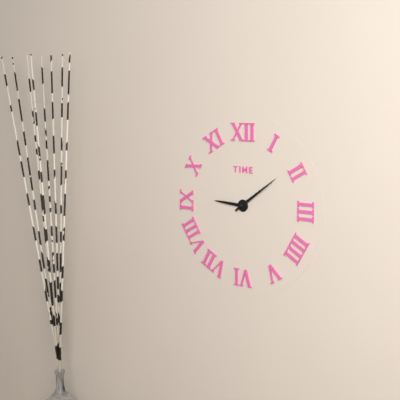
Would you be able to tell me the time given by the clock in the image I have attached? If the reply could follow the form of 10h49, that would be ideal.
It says 9h09
